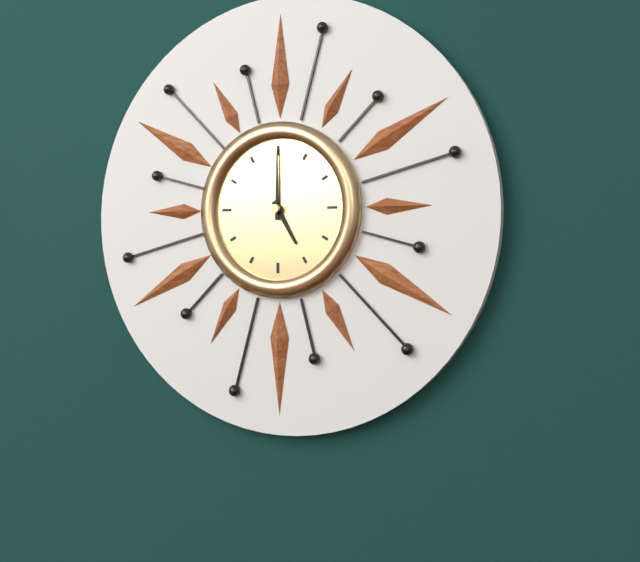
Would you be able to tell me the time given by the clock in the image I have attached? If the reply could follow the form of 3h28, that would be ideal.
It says 5h00
